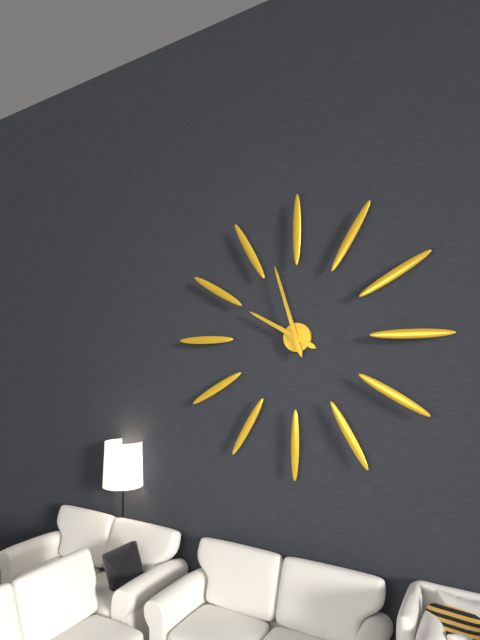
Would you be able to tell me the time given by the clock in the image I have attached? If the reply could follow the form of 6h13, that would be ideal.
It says 9h57
